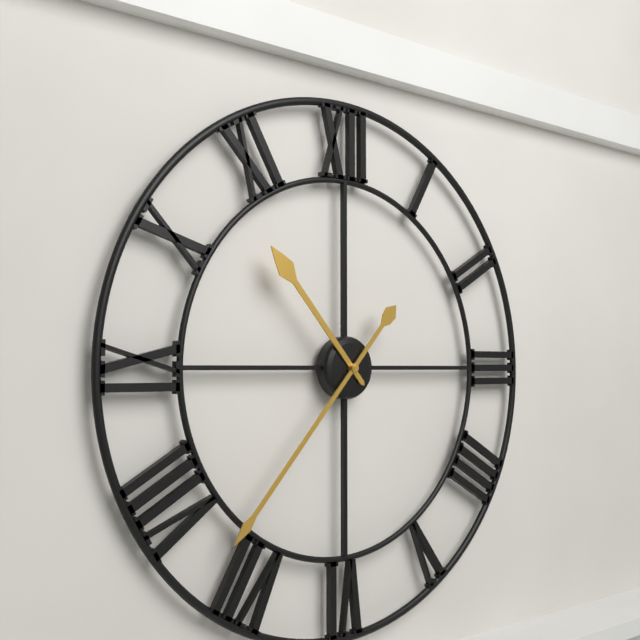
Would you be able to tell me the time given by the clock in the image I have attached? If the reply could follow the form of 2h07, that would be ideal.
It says 10h37
